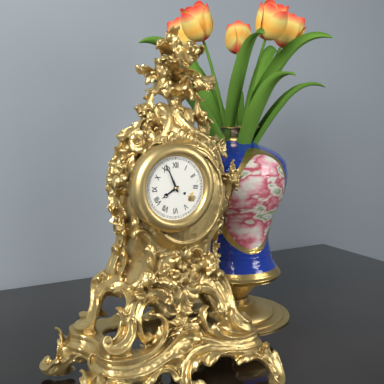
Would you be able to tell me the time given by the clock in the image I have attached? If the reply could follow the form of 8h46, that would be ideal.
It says 7h56
